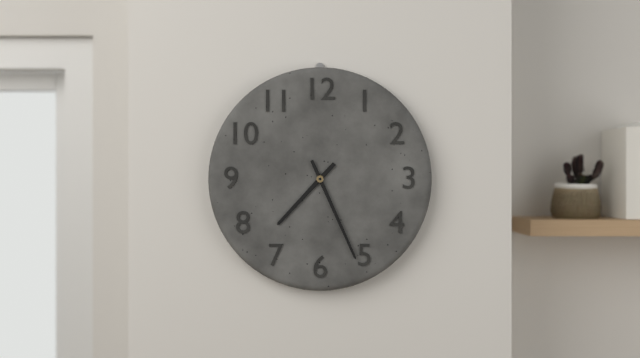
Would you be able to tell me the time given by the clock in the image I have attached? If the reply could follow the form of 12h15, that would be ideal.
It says 7h26
